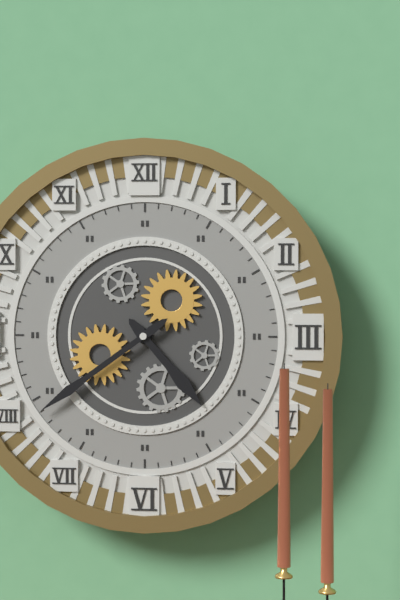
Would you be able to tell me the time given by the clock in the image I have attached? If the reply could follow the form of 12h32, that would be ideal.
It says 4h39
